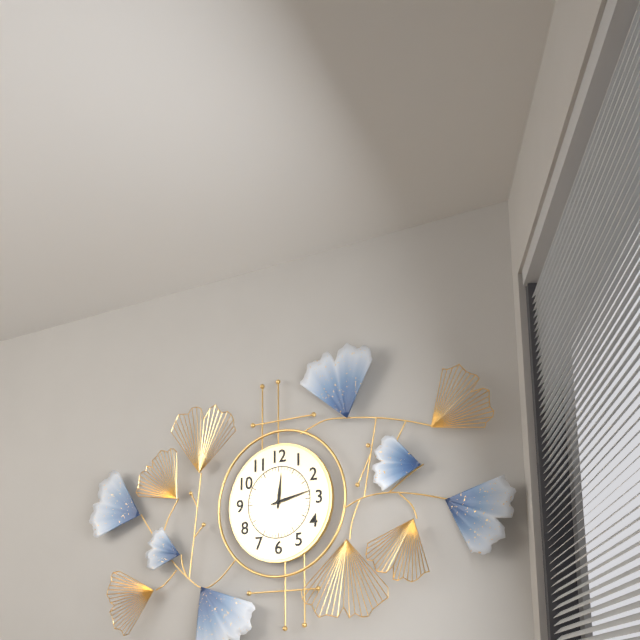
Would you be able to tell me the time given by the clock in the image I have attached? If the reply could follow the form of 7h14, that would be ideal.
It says 12h13
